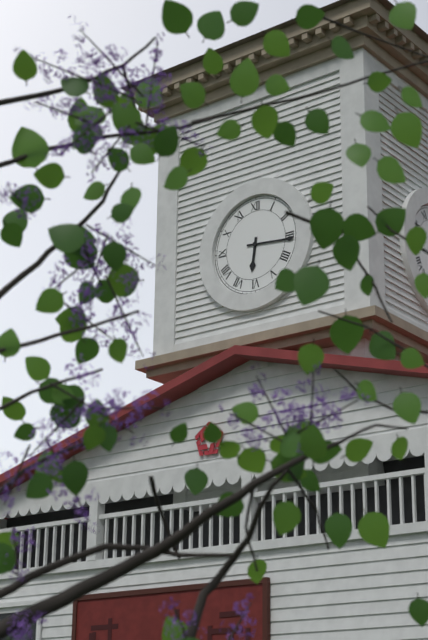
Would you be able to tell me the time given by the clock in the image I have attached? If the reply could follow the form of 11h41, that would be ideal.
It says 6h16
